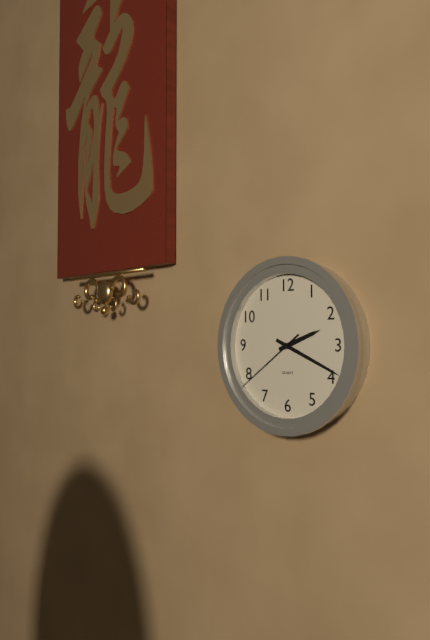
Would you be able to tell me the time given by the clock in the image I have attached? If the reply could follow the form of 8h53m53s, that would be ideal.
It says 2h19m39s
